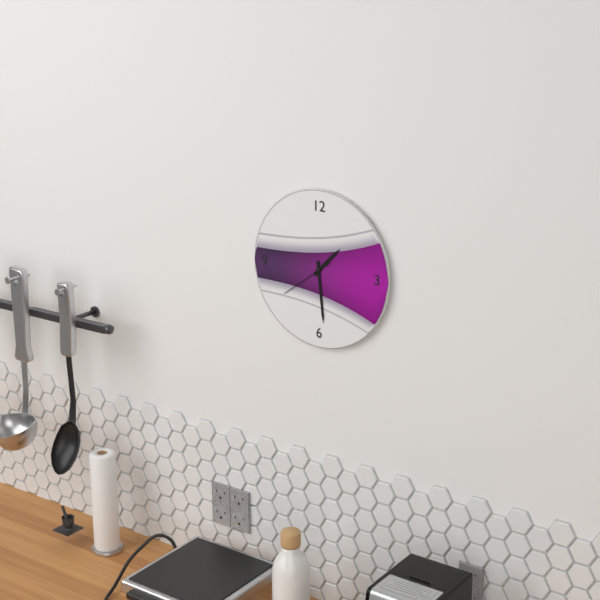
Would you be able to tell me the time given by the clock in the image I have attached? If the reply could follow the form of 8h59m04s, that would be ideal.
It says 1h29m39s
